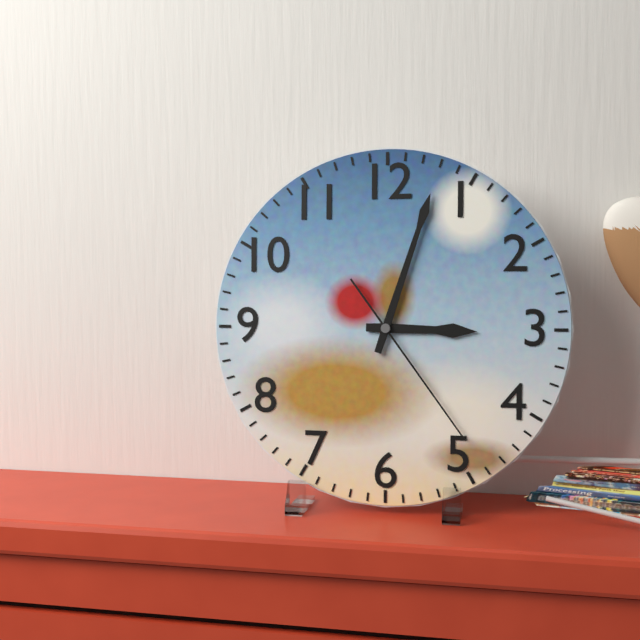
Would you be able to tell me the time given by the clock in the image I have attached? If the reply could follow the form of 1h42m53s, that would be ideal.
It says 3h03m24s
